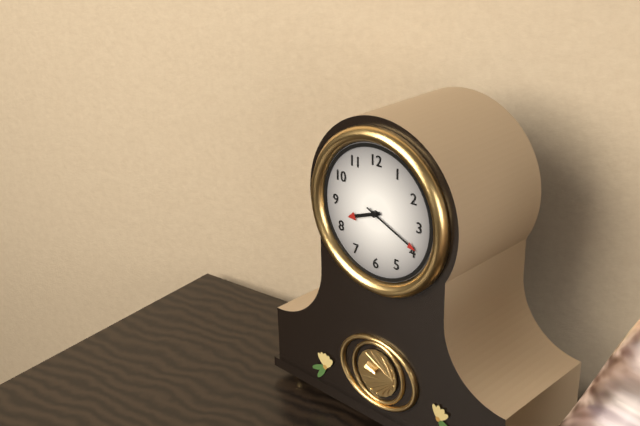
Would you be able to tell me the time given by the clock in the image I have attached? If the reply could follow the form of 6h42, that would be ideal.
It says 8h19
